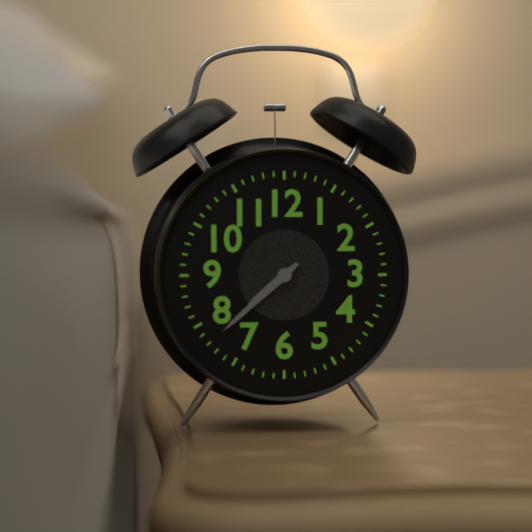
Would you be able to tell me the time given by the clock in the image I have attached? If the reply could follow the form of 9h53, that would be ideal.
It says 7h38
